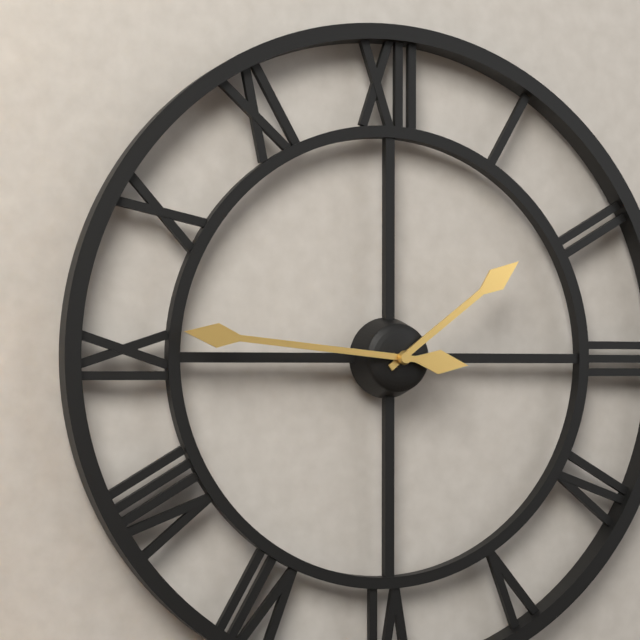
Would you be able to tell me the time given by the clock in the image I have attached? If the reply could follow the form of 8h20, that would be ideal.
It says 1h46
